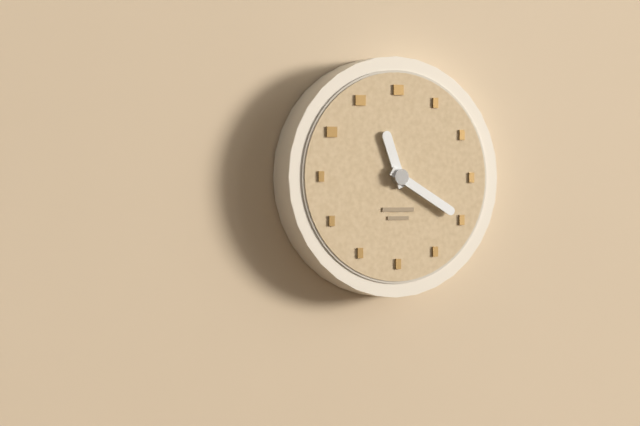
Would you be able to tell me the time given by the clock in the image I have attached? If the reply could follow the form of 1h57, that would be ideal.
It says 11h20
